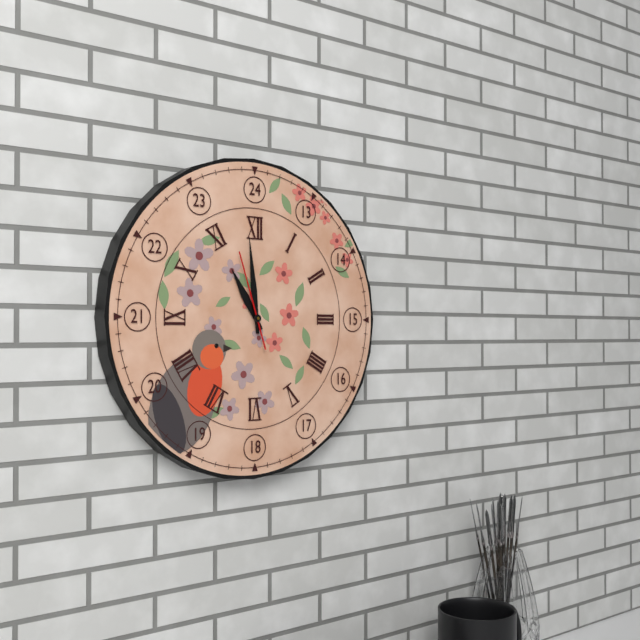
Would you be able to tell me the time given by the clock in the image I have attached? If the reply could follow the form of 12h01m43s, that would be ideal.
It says 10h59m57s
